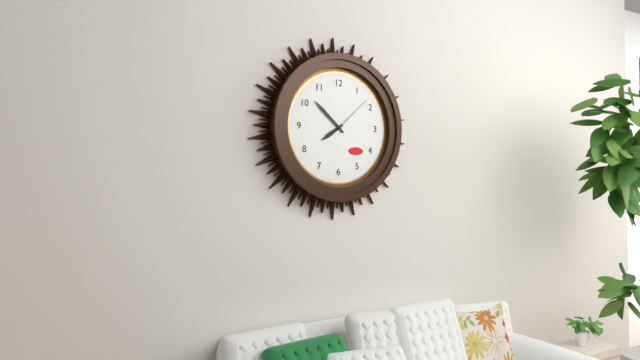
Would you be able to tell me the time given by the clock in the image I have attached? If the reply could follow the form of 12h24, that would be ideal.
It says 7h52
